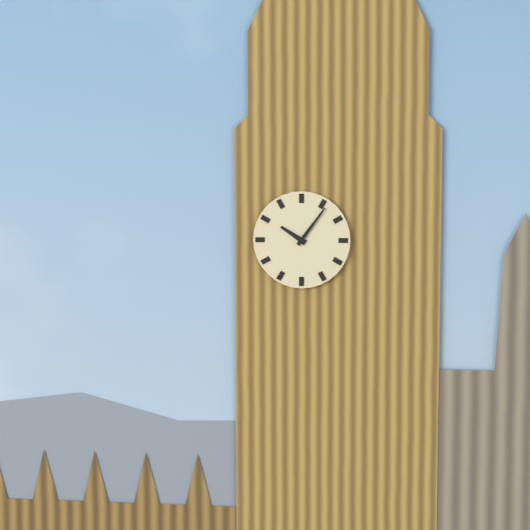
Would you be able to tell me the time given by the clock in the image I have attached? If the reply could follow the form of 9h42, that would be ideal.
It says 10h06
